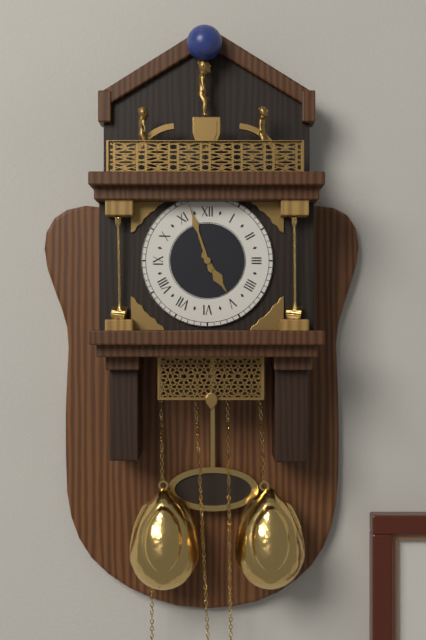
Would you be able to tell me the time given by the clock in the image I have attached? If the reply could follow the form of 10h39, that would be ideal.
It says 4h57
